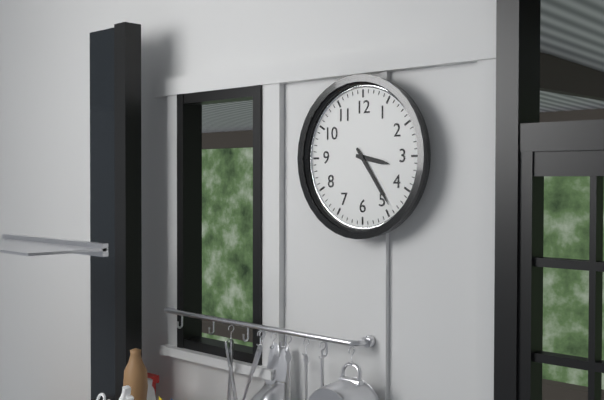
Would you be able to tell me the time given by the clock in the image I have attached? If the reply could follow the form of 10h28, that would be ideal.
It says 3h24
